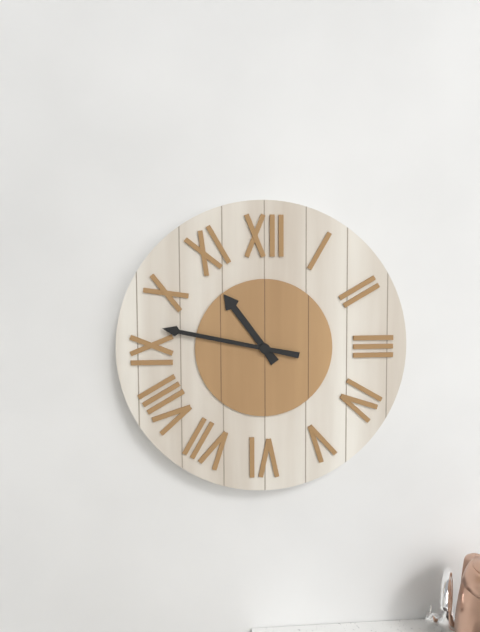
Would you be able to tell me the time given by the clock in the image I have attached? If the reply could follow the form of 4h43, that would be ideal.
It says 10h47
